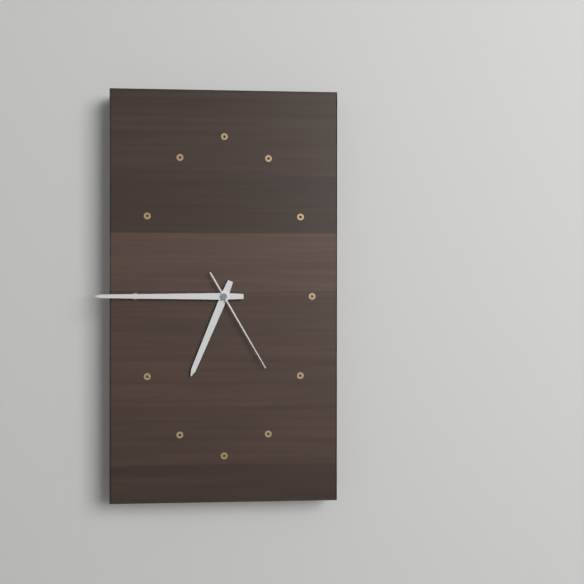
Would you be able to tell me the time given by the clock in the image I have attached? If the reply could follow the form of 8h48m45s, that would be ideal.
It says 6h45m25s
